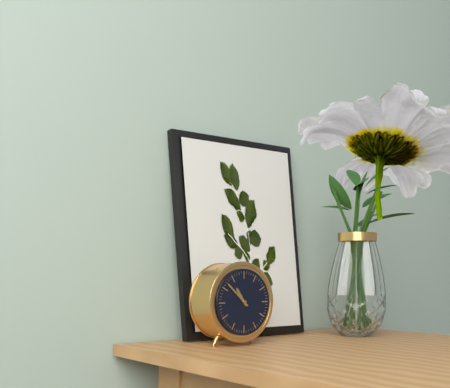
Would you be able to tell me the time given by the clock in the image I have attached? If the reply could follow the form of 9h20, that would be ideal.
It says 10h52
